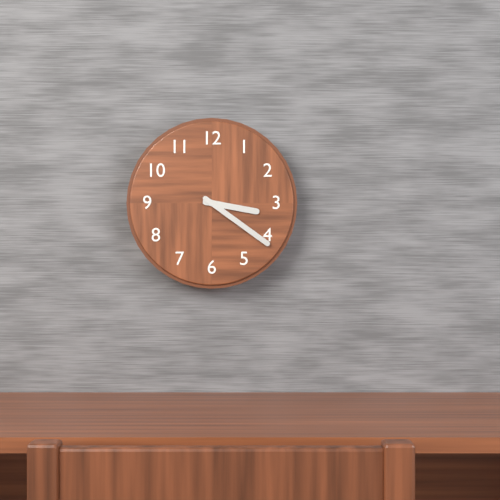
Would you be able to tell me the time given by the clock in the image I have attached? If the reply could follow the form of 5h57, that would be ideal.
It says 3h21
